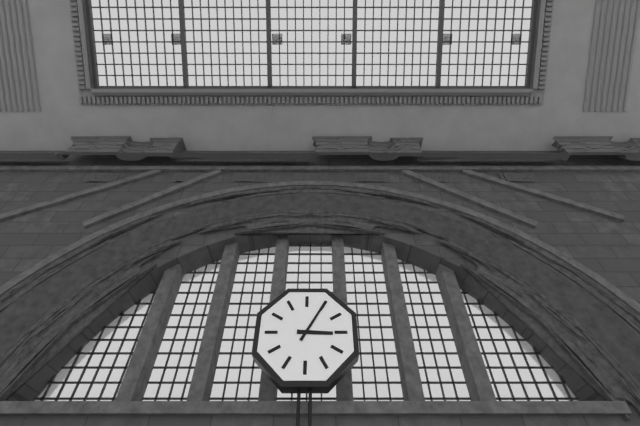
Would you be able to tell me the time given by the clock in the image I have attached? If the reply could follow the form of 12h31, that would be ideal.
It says 3h05
